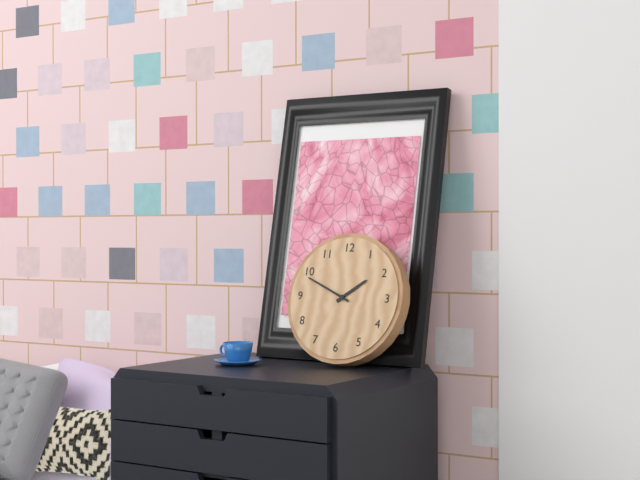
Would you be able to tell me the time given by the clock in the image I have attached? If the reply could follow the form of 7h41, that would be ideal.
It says 1h49
